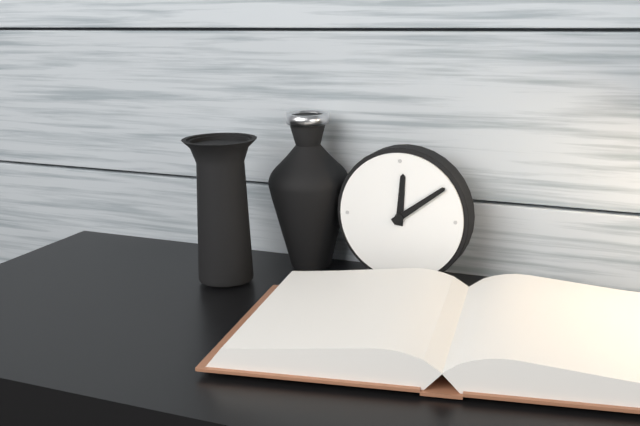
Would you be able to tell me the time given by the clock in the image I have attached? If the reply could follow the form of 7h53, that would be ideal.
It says 12h09
